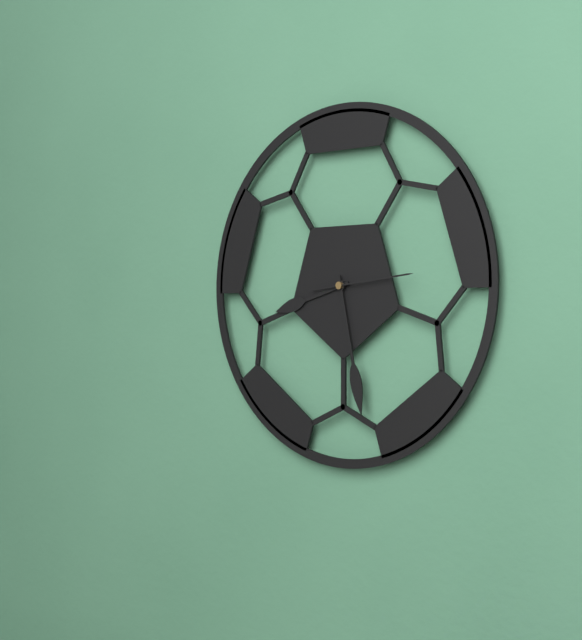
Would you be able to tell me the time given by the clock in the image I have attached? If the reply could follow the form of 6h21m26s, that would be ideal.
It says 8h28m14s
